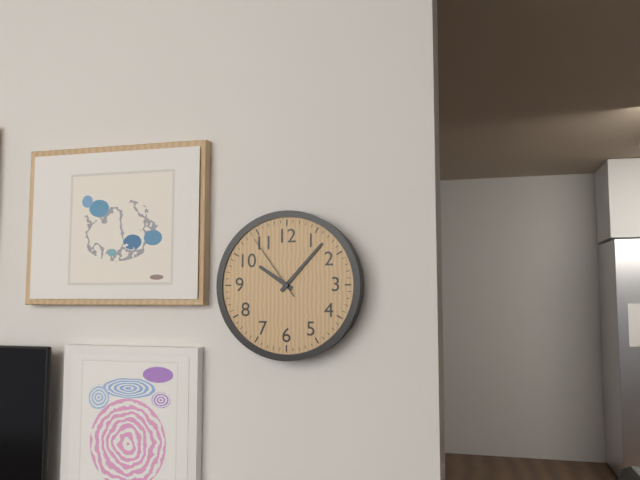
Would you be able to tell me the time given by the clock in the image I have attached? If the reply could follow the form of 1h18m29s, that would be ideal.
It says 10h07m54s
